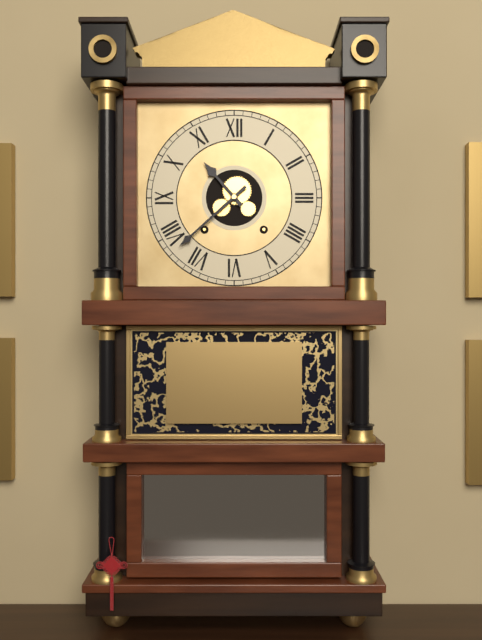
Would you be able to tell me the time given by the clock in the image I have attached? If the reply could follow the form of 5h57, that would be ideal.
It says 10h38
